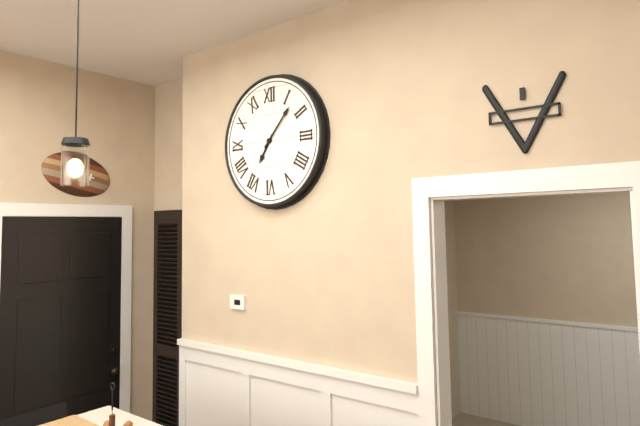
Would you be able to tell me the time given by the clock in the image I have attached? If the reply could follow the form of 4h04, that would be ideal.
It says 7h07
